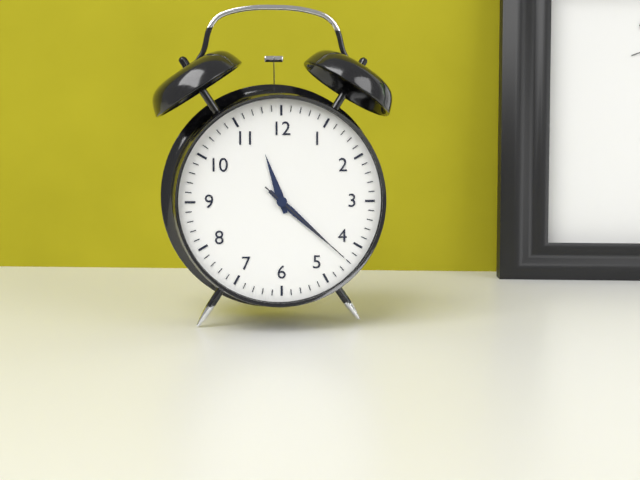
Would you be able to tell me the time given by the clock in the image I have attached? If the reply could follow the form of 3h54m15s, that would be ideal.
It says 11h22m22s
